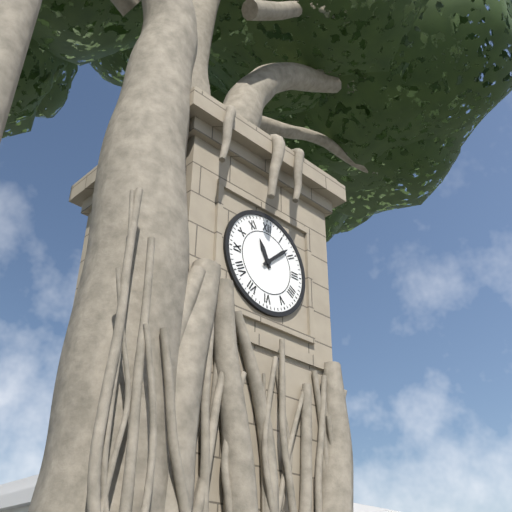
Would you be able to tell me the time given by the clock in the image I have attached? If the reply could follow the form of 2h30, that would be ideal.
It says 11h08
